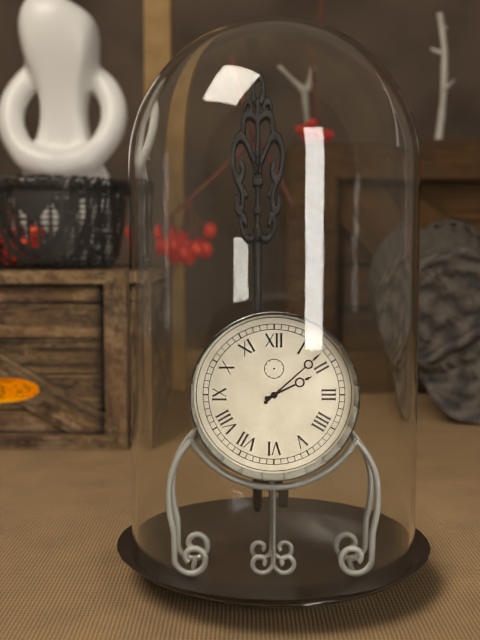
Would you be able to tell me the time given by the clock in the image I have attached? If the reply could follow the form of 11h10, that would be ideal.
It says 2h08
